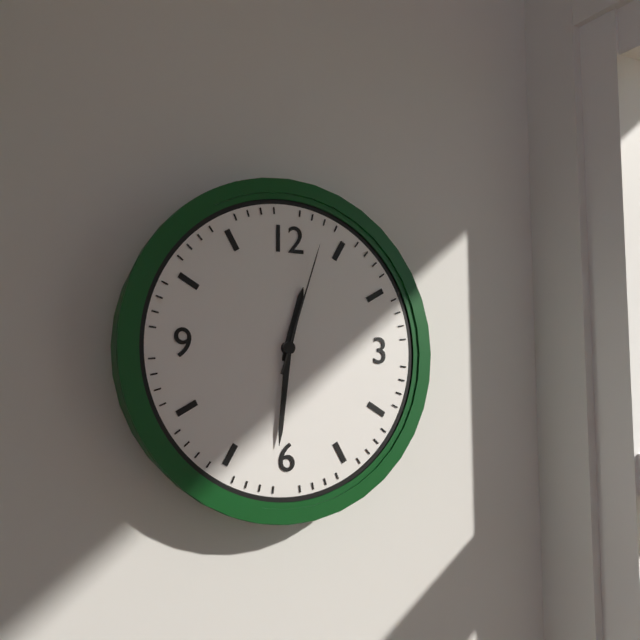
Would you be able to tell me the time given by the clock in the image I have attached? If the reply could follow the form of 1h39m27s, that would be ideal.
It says 12h31m03s
